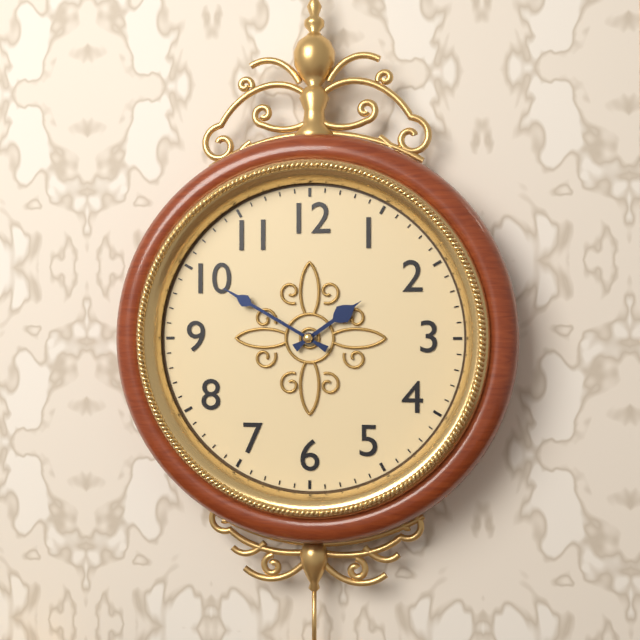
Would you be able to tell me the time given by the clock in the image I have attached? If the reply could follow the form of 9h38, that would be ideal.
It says 1h50
